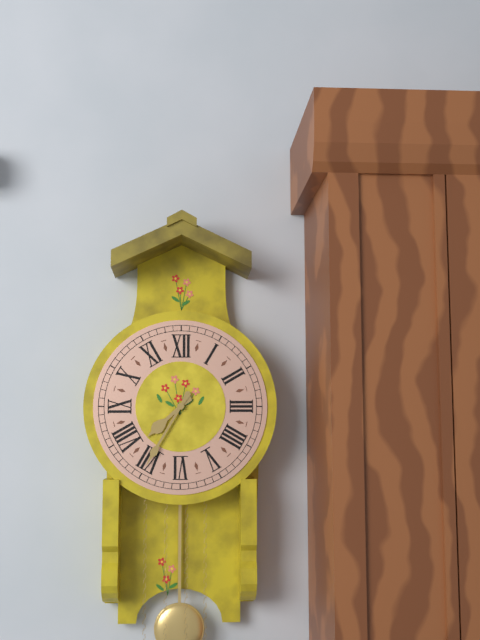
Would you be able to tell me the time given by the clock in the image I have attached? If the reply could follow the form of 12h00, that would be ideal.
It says 7h35
